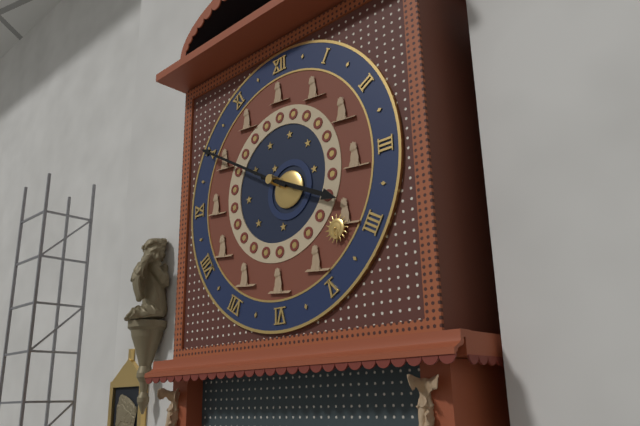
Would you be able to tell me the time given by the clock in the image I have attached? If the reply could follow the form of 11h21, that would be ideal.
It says 3h50
